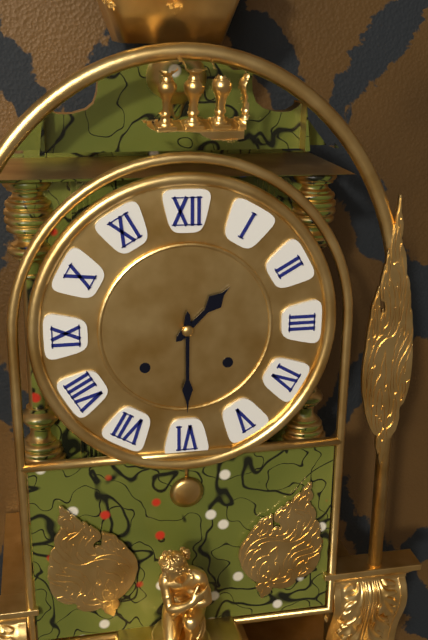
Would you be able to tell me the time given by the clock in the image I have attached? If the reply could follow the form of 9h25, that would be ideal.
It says 1h30
